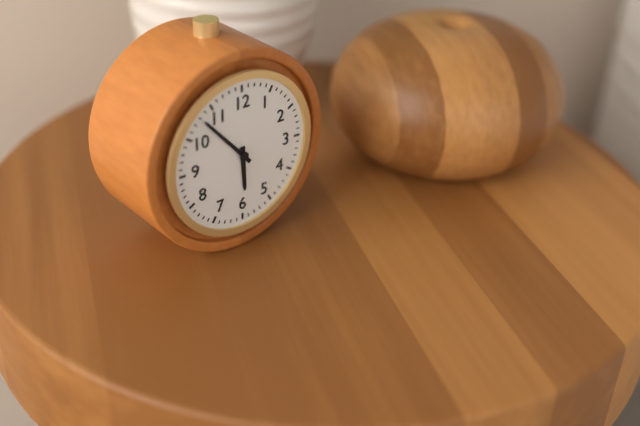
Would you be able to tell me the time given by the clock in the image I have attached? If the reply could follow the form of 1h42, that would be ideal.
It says 5h53
